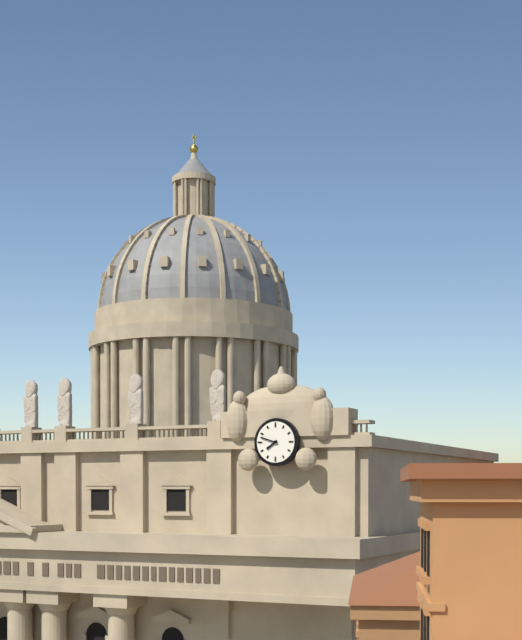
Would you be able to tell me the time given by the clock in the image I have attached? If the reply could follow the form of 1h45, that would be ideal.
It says 7h48
